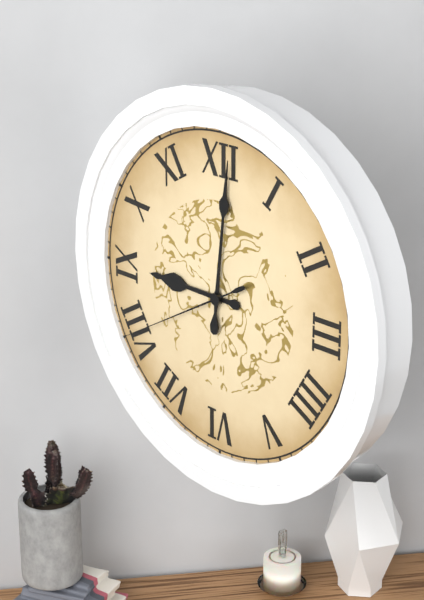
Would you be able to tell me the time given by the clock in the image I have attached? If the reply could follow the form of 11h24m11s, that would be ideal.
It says 9h01m40s
